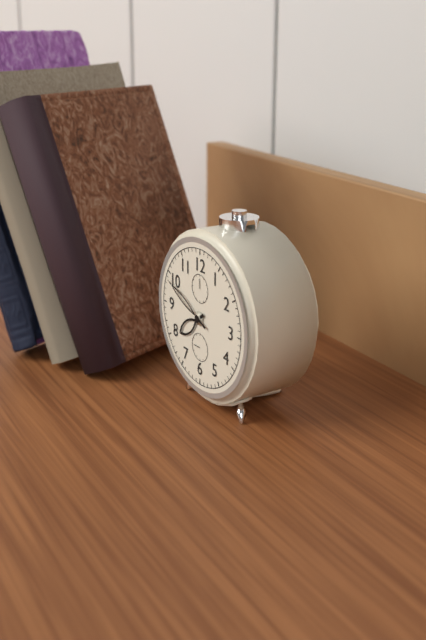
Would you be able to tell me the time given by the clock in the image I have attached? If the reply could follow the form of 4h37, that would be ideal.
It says 7h49
